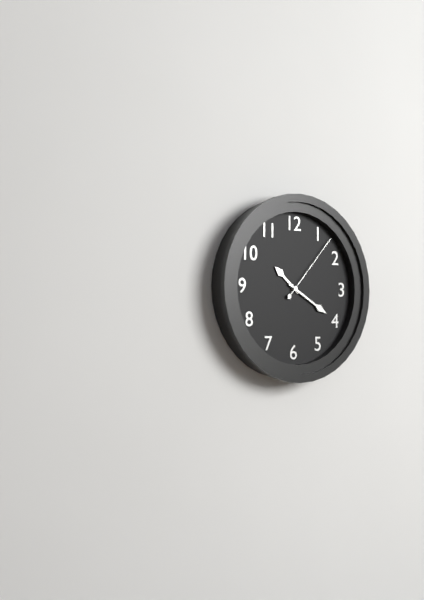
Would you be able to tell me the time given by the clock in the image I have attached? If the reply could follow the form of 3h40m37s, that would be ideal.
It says 10h20m07s
